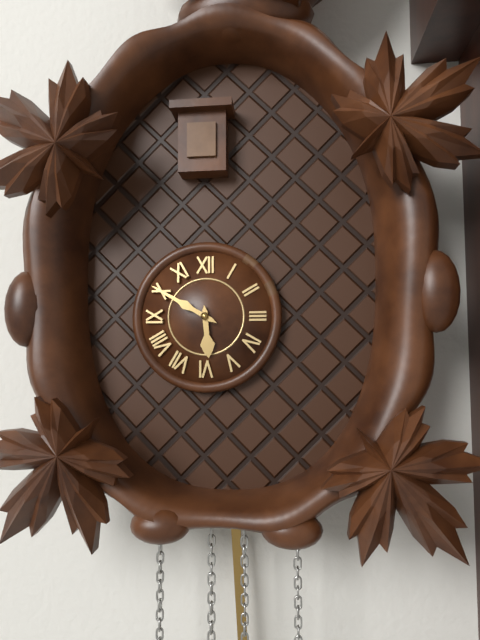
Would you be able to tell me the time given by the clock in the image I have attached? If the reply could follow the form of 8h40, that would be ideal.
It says 5h50
